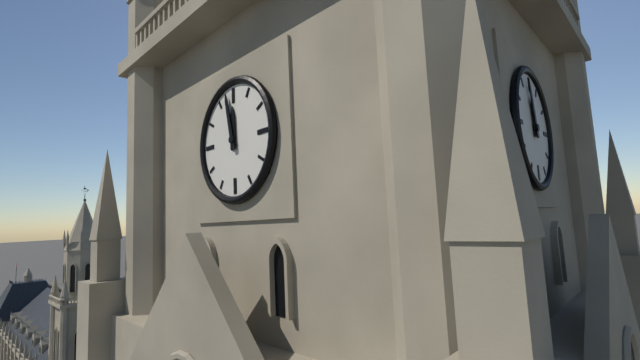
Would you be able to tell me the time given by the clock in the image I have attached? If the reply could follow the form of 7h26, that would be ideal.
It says 11h58
